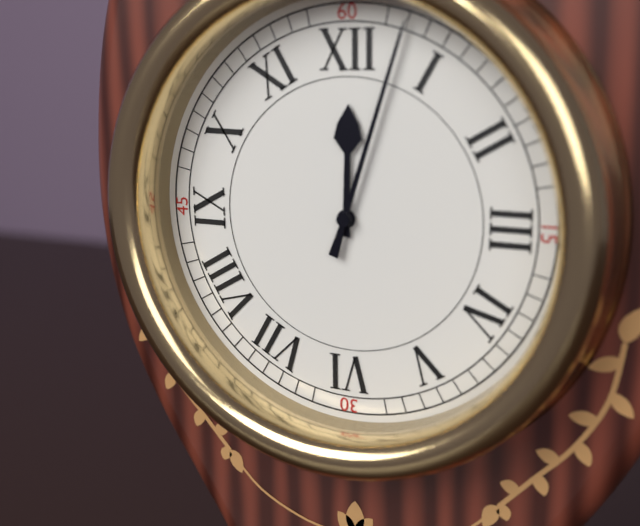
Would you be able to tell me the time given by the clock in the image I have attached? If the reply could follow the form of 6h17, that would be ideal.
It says 12h03
